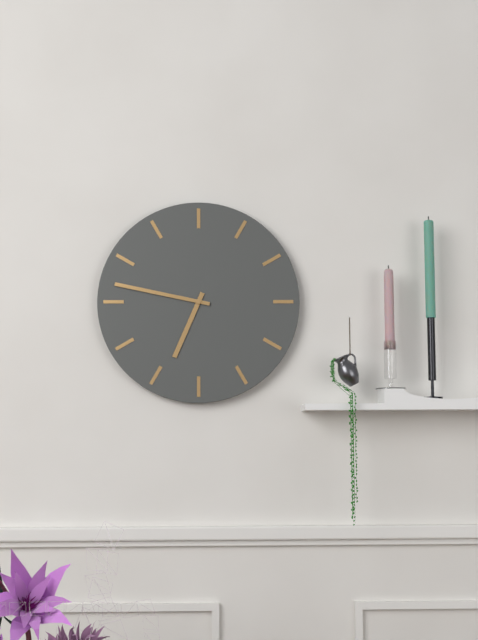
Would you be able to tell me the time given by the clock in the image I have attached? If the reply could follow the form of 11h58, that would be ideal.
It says 6h47
